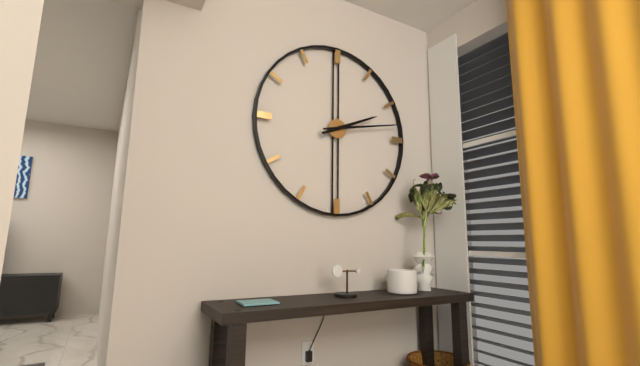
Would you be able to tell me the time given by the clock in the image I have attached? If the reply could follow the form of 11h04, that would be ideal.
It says 2h13
